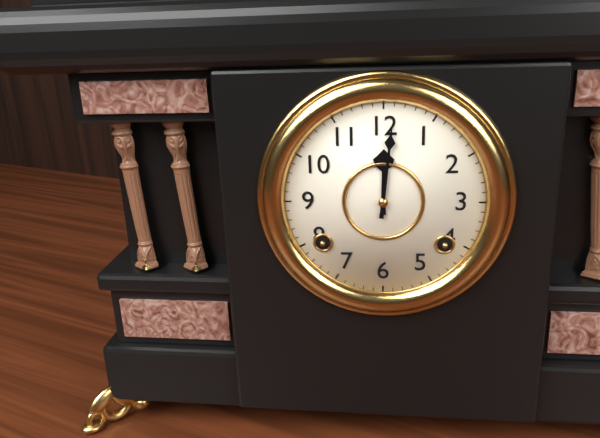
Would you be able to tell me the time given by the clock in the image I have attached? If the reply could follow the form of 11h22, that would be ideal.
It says 12h01
